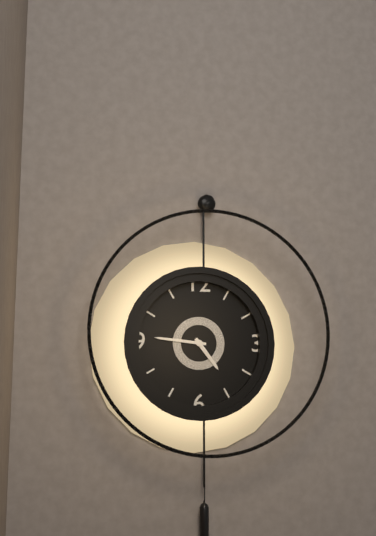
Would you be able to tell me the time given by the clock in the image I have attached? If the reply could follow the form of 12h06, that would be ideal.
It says 4h46
